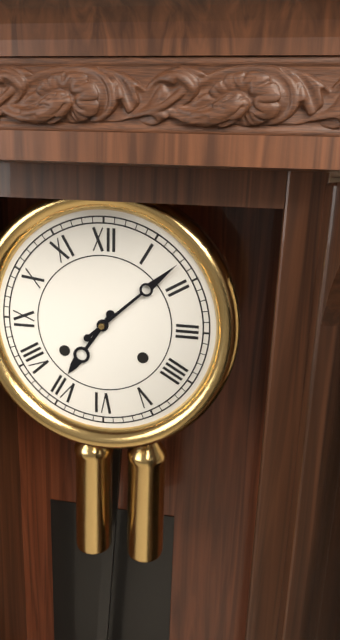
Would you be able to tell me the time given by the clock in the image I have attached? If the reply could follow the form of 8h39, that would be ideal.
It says 7h08
